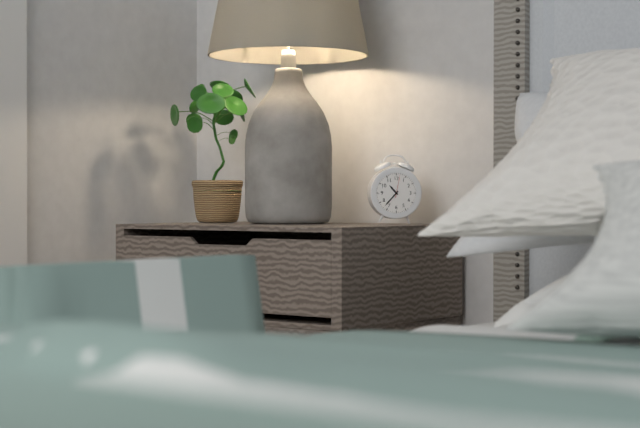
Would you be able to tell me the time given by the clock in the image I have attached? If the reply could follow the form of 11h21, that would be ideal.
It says 10h37
